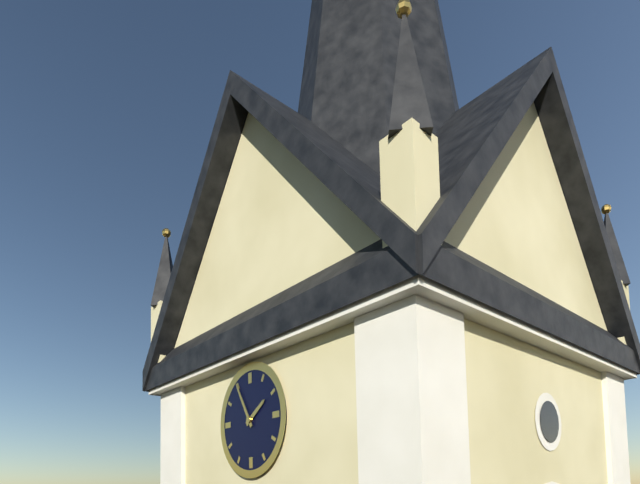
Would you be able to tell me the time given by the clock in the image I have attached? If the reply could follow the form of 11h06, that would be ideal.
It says 1h55
